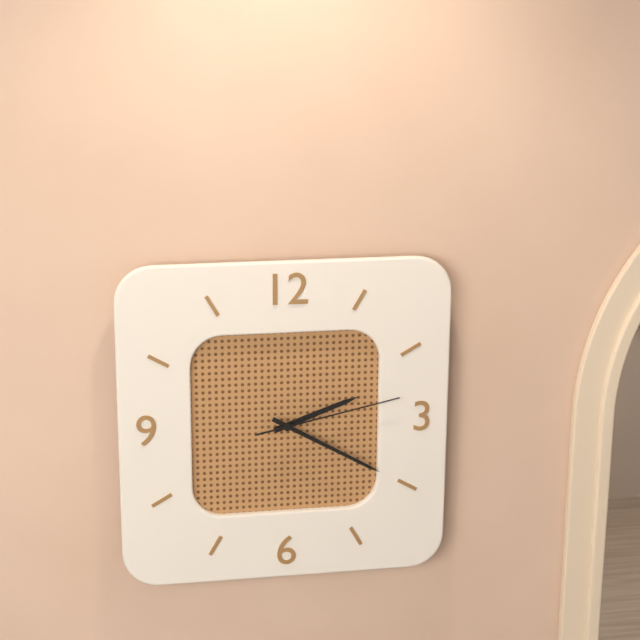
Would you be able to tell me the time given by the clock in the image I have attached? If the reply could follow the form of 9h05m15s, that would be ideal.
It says 2h20m13s
